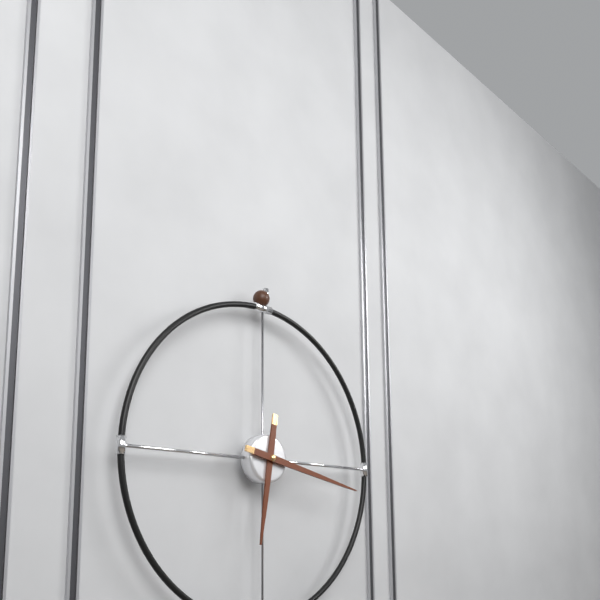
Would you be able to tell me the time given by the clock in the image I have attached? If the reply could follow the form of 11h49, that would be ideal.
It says 6h17
